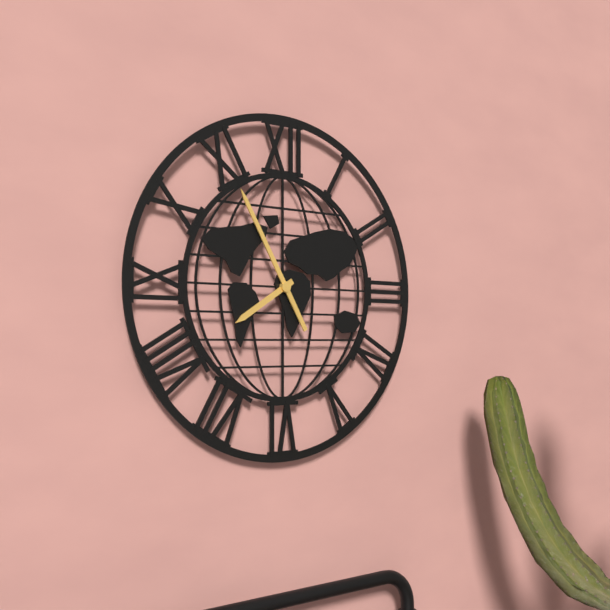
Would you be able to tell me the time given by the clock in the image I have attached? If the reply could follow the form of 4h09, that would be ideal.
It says 7h55
